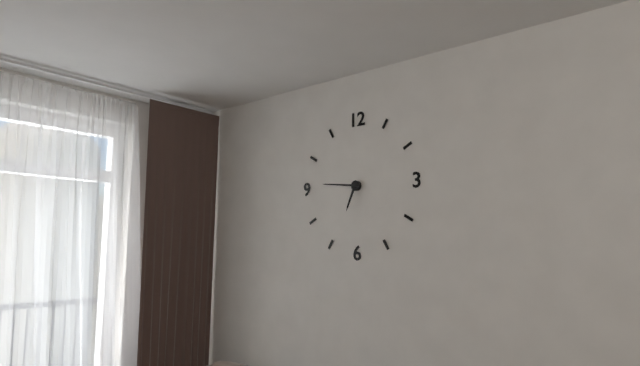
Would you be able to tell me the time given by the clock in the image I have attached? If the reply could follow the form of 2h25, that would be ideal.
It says 6h46
